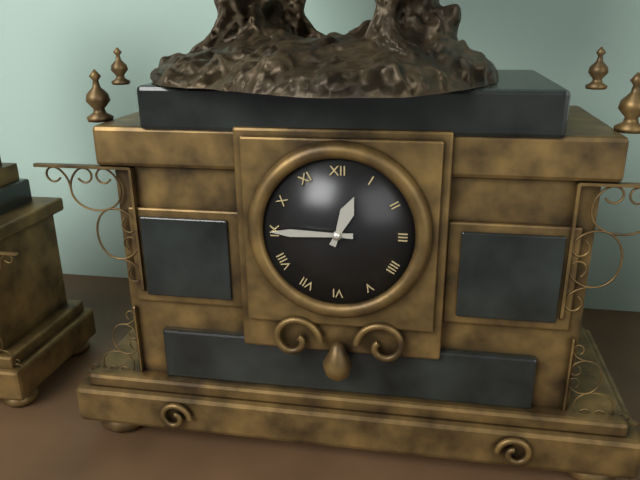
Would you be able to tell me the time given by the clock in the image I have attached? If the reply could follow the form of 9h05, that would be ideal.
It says 12h45
